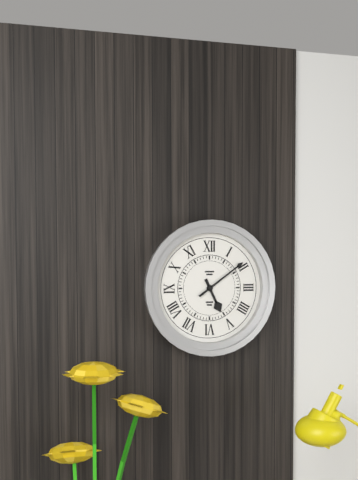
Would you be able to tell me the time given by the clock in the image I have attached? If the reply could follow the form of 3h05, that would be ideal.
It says 5h09
